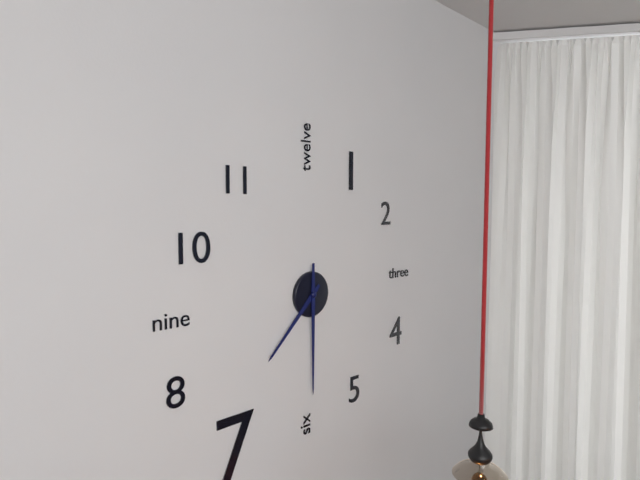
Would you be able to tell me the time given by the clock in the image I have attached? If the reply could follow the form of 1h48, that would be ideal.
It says 7h30
